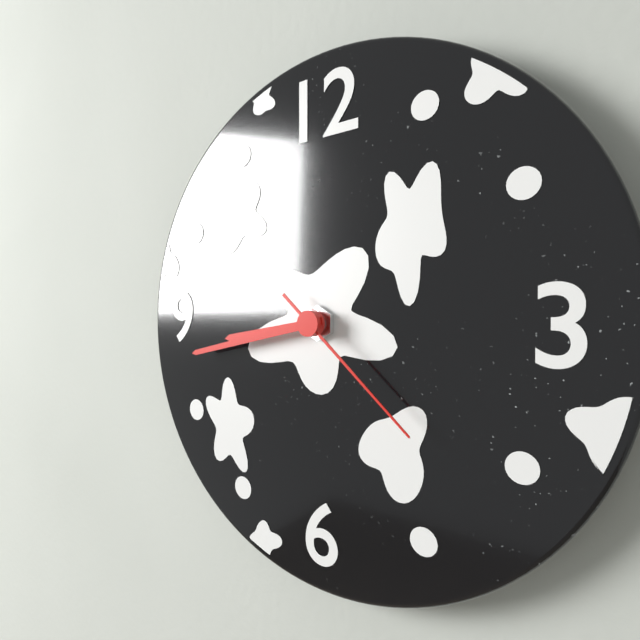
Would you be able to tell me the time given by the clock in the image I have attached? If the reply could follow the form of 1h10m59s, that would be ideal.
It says 8h43m22s
